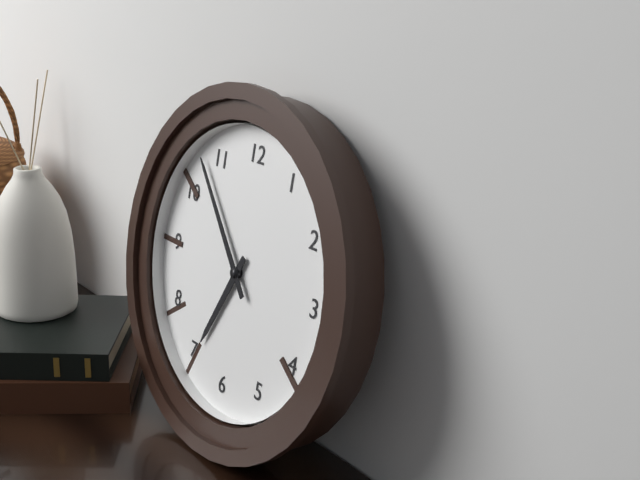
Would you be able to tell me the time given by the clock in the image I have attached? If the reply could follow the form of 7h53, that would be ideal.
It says 6h53
